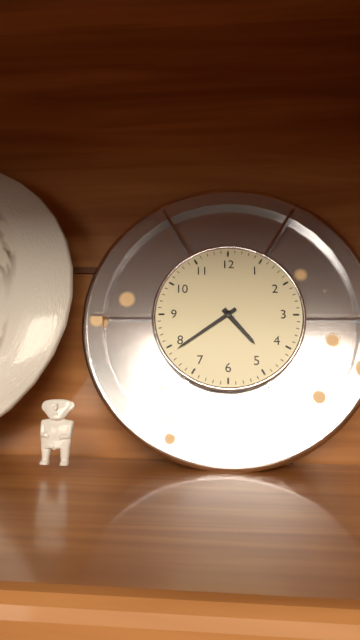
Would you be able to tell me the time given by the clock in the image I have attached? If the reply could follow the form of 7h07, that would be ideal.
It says 4h39
